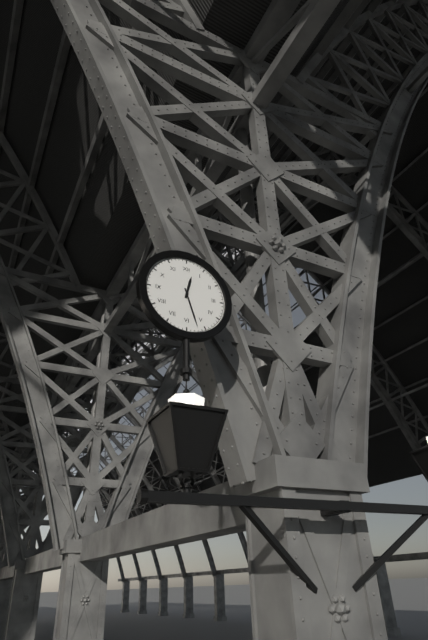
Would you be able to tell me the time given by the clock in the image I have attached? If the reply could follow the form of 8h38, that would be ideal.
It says 12h27
